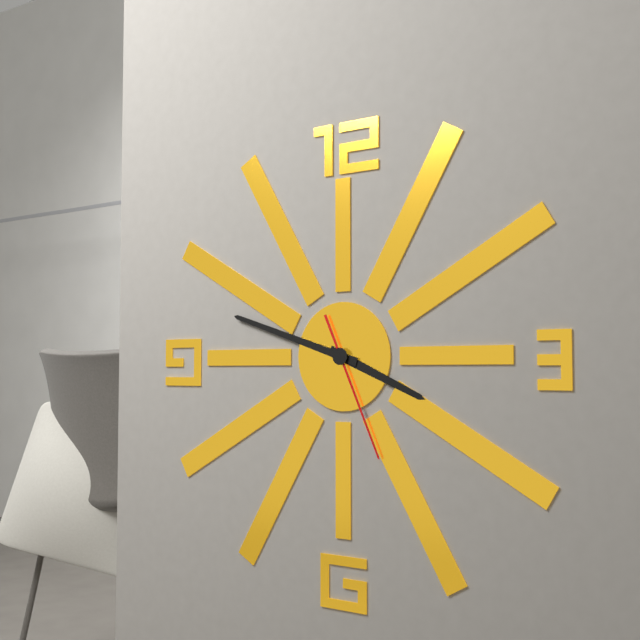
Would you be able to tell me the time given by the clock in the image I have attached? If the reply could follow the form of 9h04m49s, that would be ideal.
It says 3h48m26s
